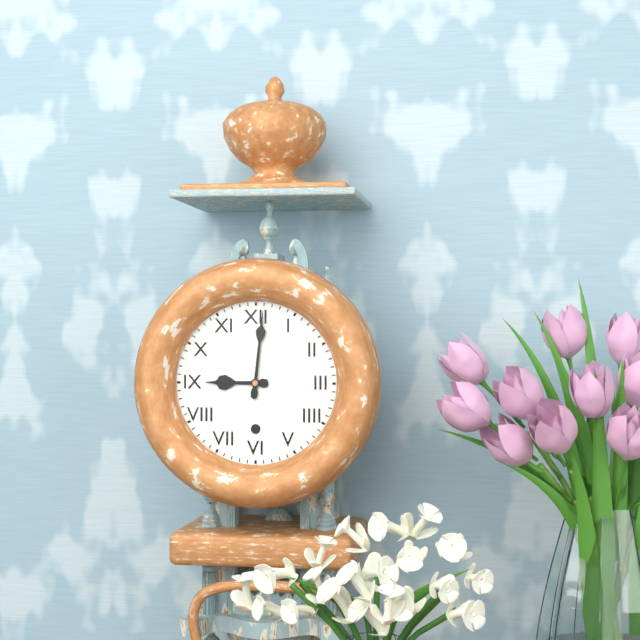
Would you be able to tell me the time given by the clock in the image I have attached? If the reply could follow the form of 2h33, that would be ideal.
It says 9h01
